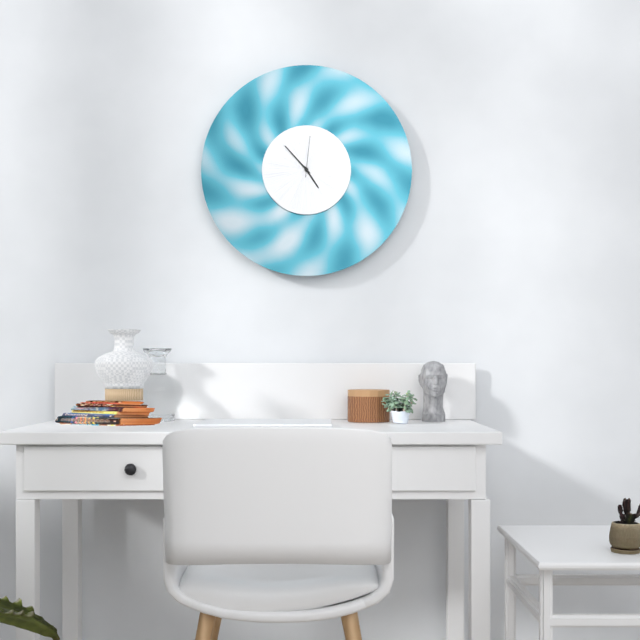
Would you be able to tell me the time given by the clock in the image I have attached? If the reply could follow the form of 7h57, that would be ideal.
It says 4h53
